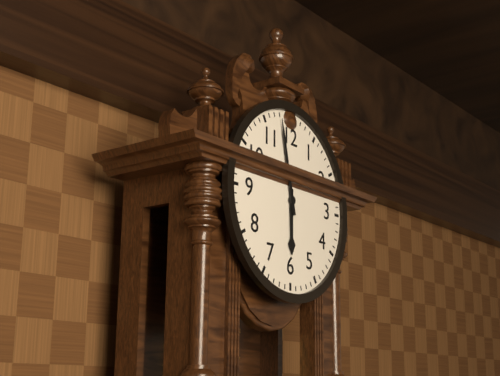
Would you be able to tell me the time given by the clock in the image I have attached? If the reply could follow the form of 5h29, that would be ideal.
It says 5h58
